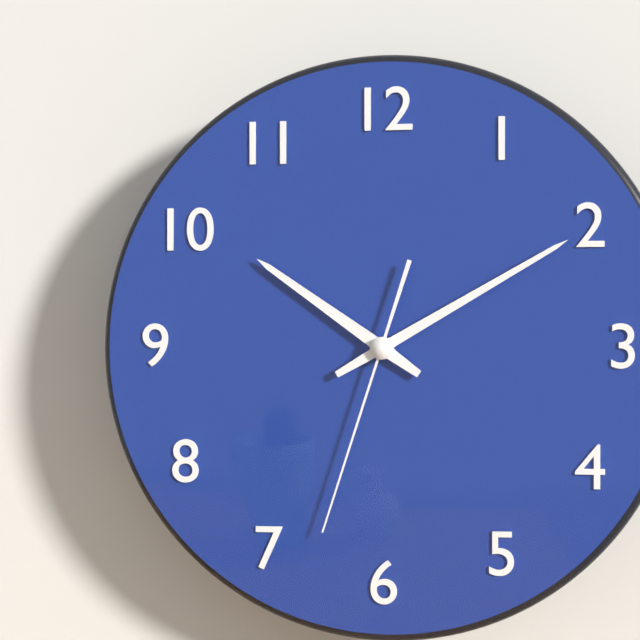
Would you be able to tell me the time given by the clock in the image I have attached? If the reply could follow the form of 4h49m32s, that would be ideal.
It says 10h10m33s
